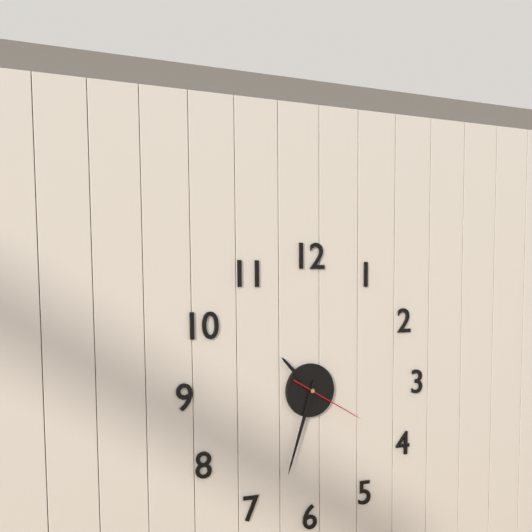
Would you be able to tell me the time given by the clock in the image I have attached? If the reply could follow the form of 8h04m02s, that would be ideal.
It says 10h33m20s
